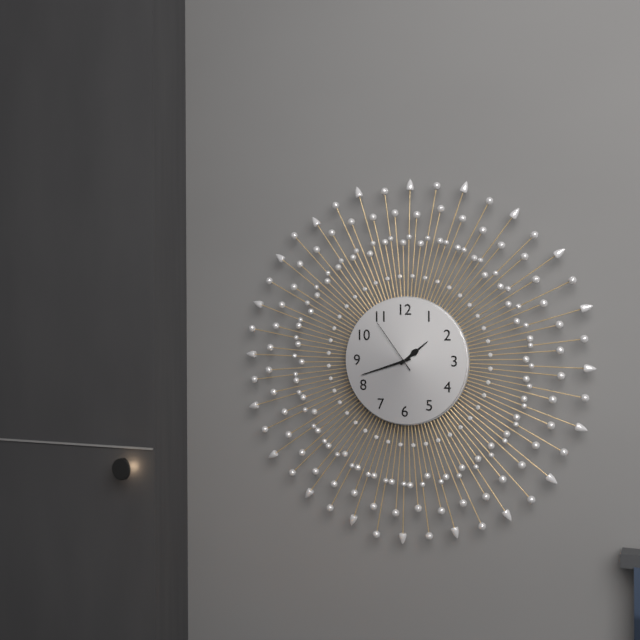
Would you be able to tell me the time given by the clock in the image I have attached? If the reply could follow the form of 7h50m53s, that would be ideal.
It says 1h42m54s
